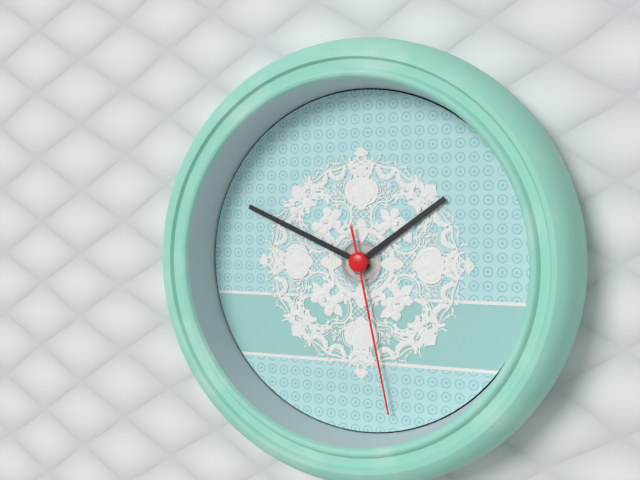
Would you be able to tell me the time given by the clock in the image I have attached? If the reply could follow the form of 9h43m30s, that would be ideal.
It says 1h49m28s
